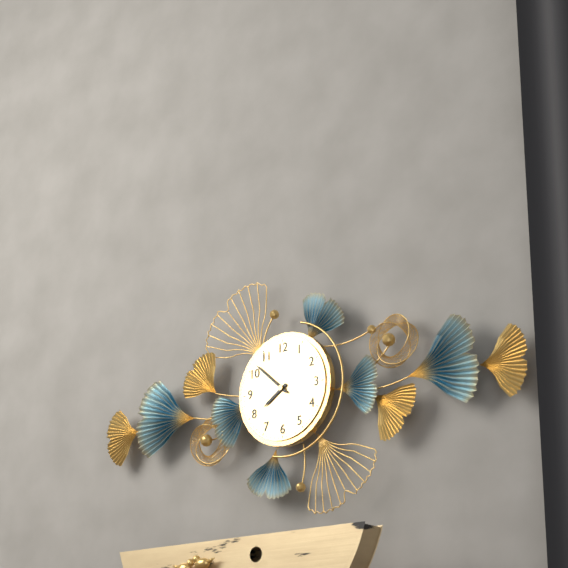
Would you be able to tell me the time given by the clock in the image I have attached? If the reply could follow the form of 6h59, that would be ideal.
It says 7h52
